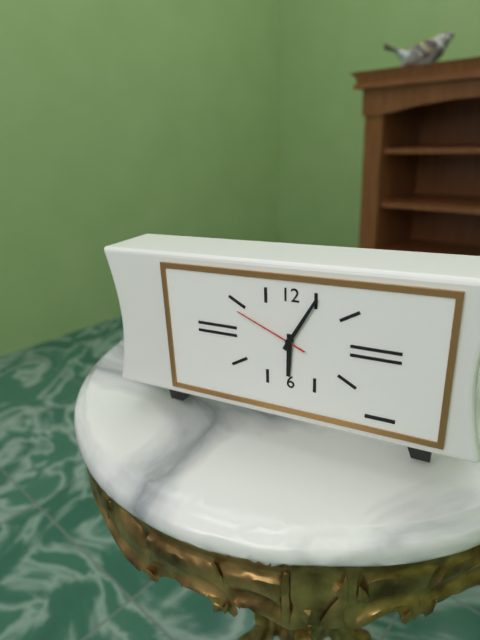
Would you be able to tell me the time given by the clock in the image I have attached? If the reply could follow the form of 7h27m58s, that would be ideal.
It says 6h05m49s
